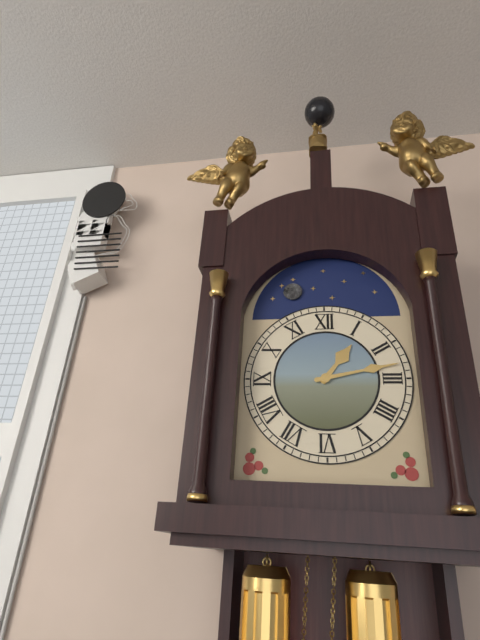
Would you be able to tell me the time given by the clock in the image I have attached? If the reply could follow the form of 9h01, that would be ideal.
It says 1h13
